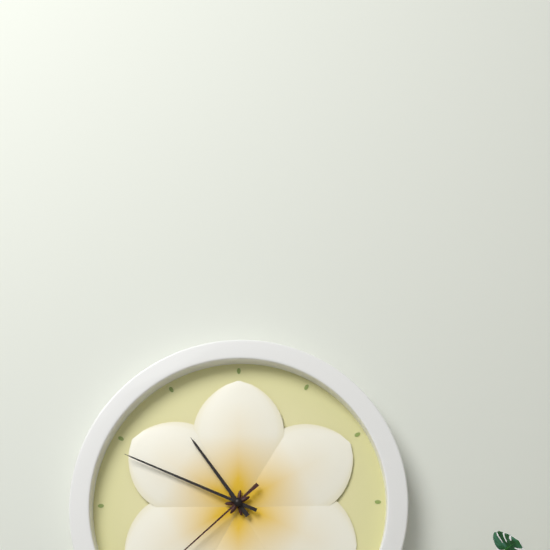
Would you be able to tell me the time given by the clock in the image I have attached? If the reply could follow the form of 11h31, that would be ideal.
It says 10h49
